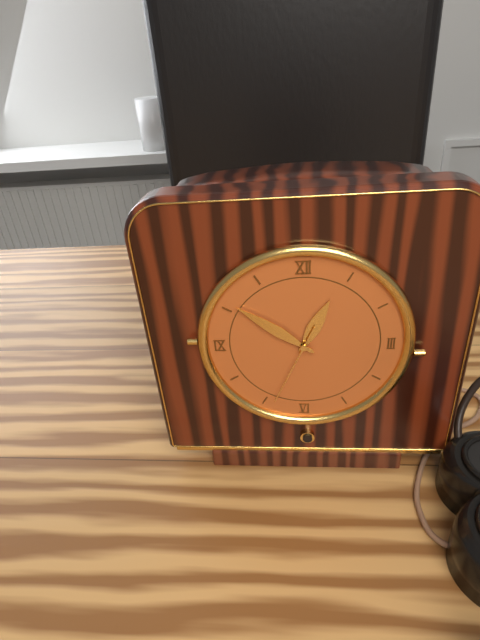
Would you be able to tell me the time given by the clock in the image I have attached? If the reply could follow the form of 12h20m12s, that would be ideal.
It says 12h51m34s
